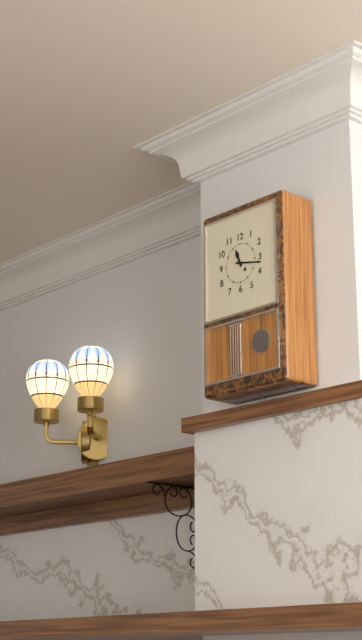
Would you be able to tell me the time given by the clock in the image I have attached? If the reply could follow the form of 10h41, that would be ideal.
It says 11h17
